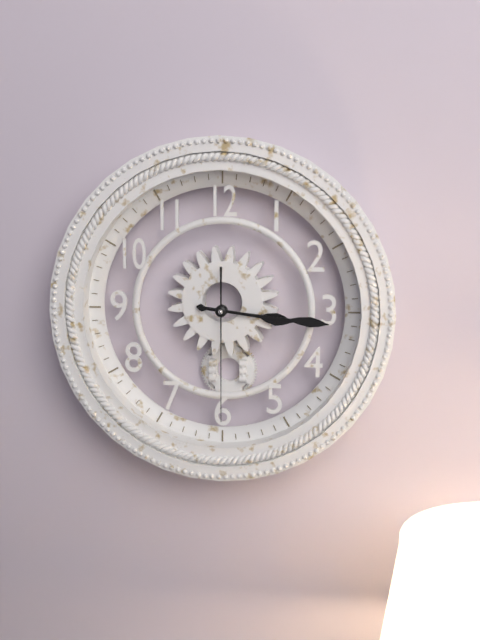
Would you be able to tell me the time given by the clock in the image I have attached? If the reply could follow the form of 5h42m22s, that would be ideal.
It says 3h16m30s
